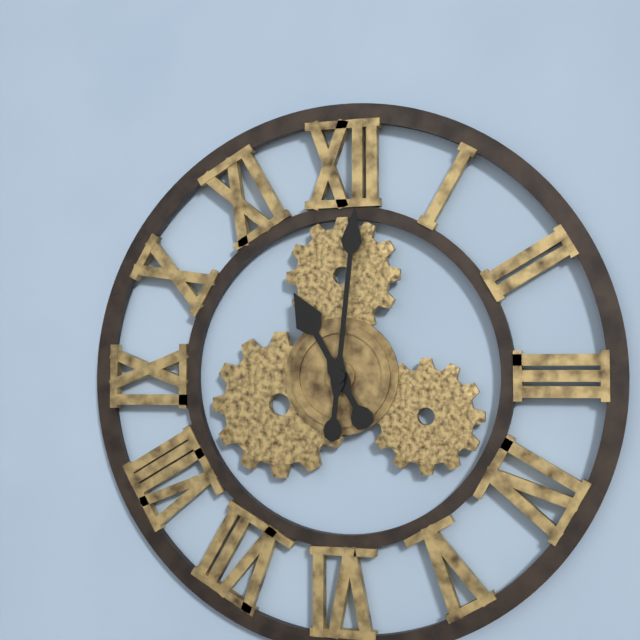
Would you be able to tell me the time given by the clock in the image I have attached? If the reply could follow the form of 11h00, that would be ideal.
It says 11h01
